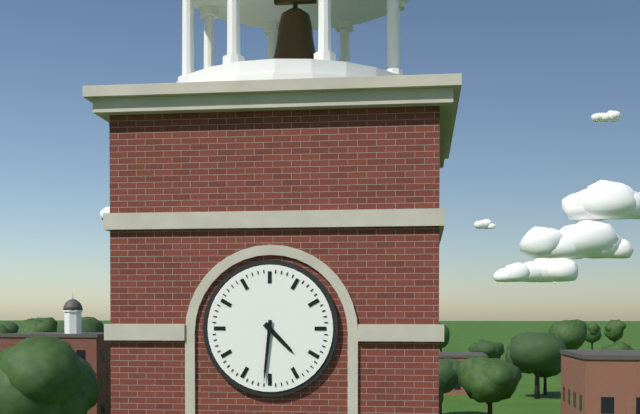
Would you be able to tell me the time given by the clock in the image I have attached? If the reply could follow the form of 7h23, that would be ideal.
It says 4h31
